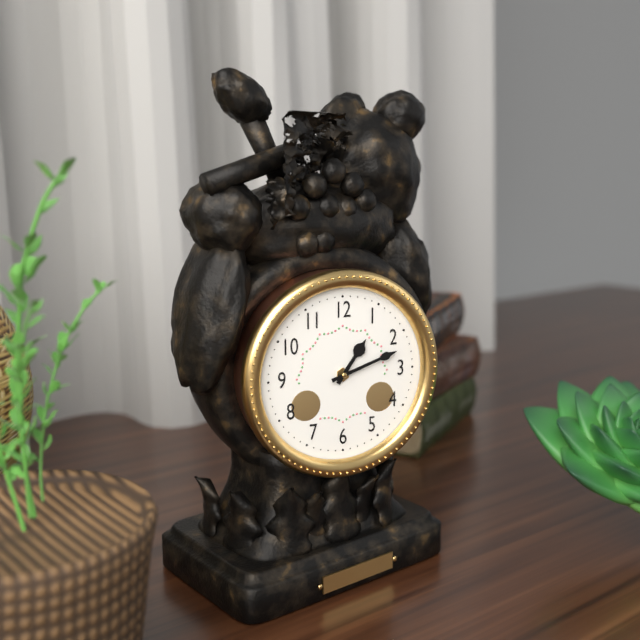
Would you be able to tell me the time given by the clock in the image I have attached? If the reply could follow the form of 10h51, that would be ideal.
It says 1h12
